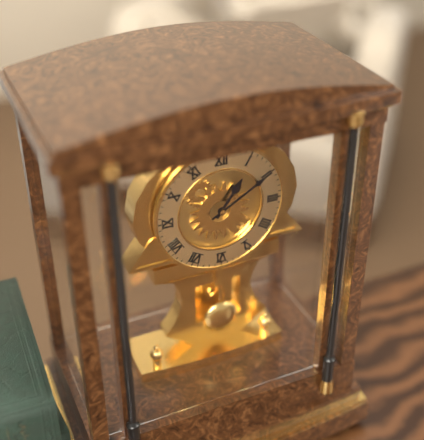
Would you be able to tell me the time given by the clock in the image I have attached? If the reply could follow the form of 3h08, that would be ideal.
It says 1h10
